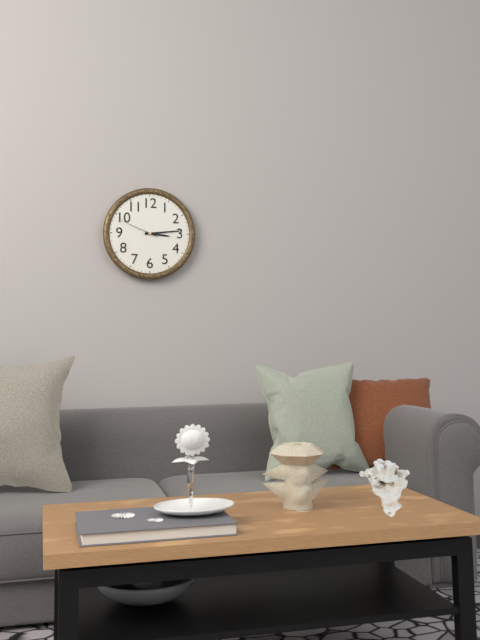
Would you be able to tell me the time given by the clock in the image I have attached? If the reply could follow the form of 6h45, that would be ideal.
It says 3h14
